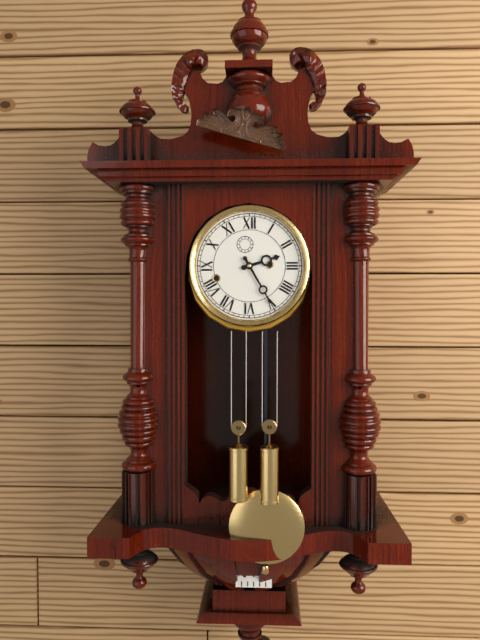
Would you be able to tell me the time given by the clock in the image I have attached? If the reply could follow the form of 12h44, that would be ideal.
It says 2h25
